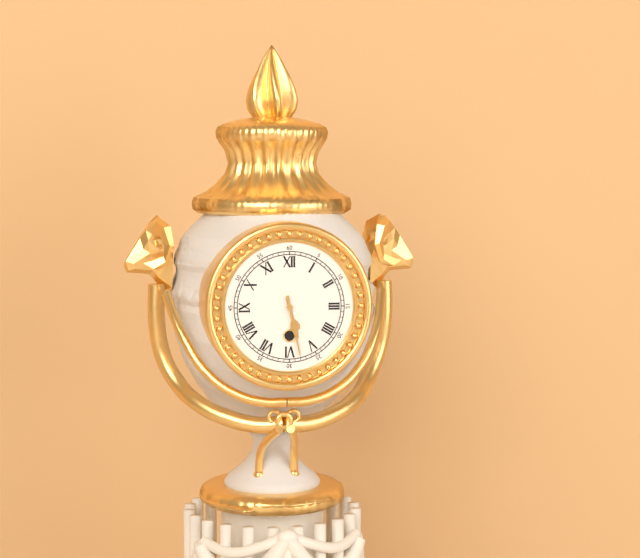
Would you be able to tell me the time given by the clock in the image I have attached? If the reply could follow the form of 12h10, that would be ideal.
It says 5h28
